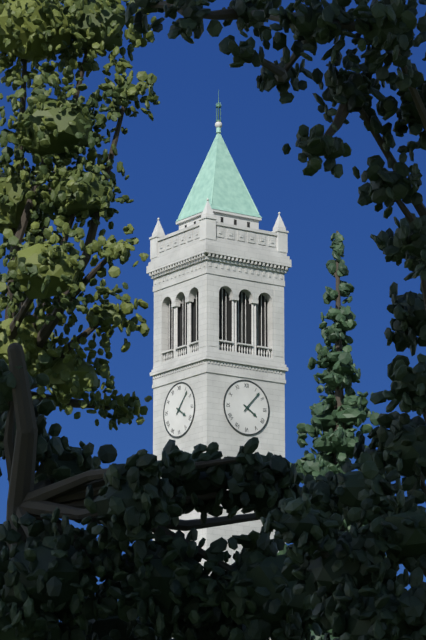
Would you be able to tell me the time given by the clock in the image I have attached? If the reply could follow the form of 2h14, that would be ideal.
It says 4h07
